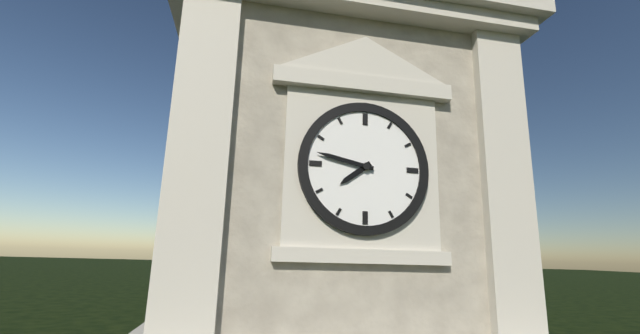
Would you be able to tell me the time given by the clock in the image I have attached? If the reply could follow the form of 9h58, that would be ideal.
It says 7h47
